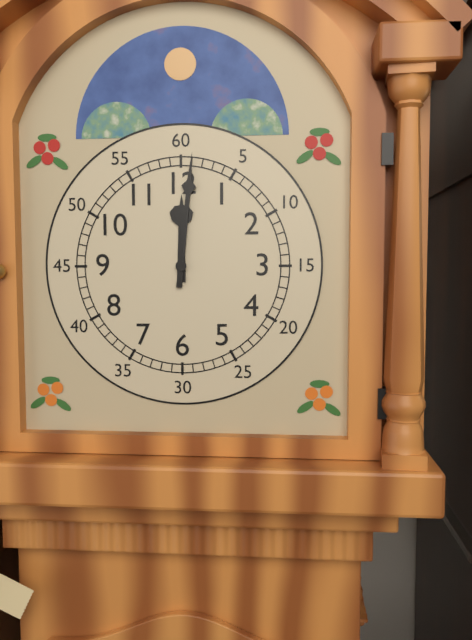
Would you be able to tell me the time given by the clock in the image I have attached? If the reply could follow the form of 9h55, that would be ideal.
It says 12h01
